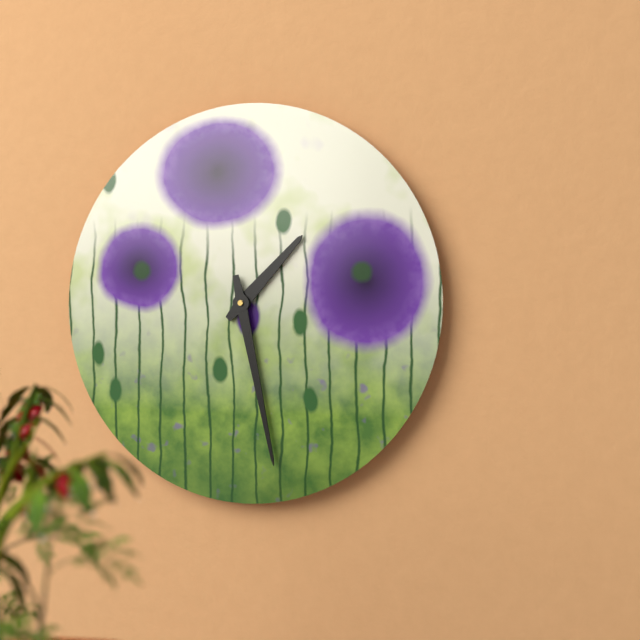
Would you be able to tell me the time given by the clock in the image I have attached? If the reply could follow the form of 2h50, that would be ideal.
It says 1h28
